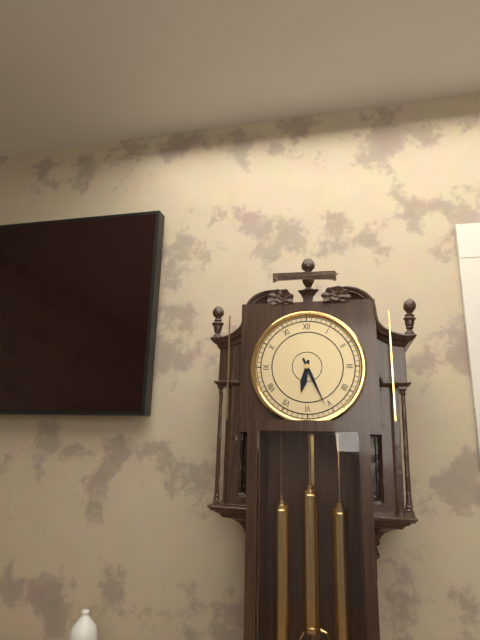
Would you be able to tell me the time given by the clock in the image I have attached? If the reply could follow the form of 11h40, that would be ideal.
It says 6h26
